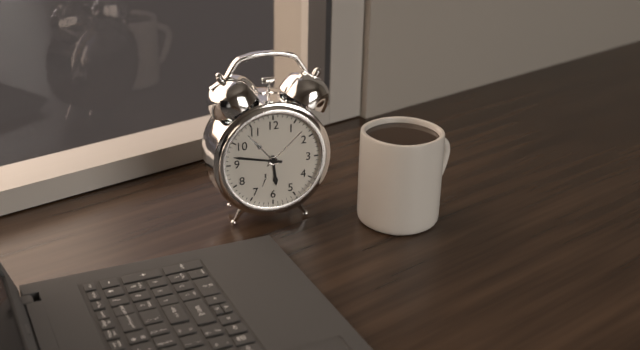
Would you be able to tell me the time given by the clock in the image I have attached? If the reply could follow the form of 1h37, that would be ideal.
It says 5h47
